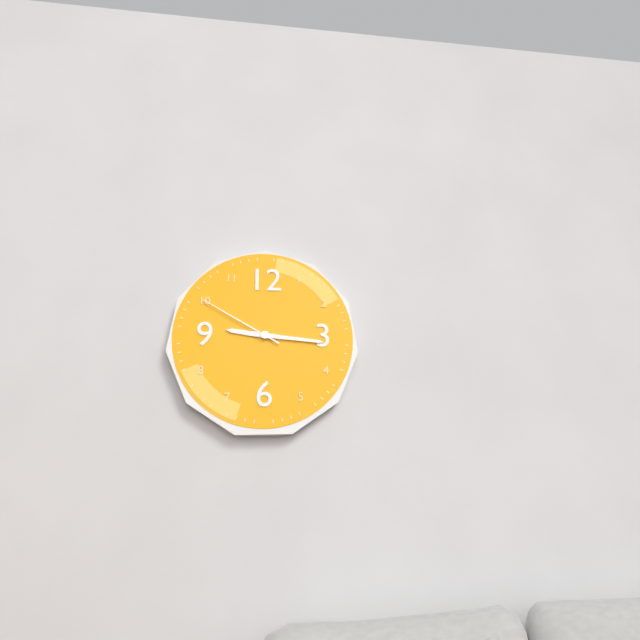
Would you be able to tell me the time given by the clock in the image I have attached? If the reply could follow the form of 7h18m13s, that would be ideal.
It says 9h16m50s
